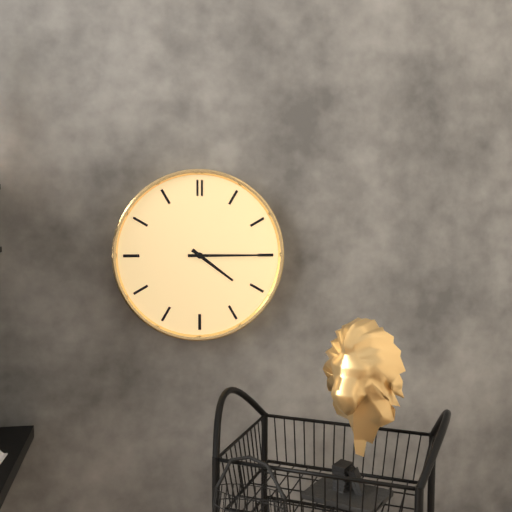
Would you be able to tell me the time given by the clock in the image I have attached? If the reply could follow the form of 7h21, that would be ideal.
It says 4h15
